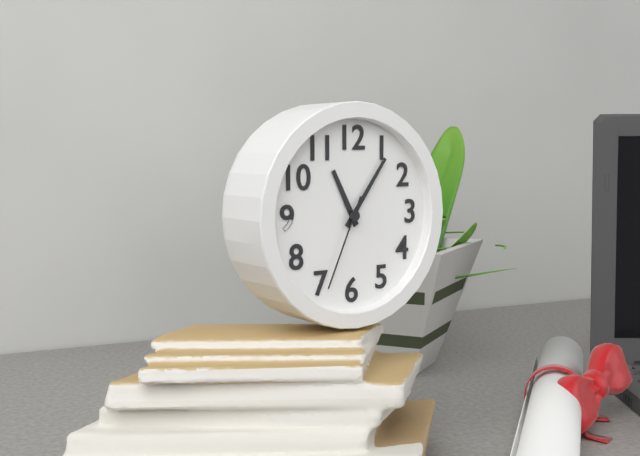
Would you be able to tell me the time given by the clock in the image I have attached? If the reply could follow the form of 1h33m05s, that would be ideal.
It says 11h06m34s
